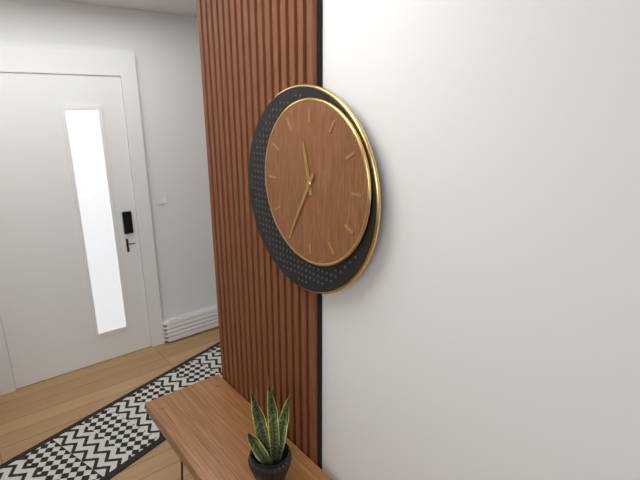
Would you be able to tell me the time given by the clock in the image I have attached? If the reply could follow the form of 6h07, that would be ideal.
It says 11h35
